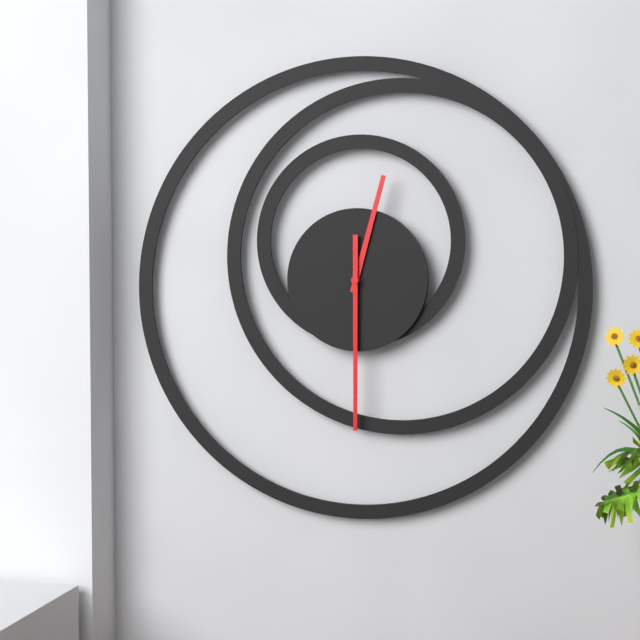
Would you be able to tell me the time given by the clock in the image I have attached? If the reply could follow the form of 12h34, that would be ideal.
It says 12h30
